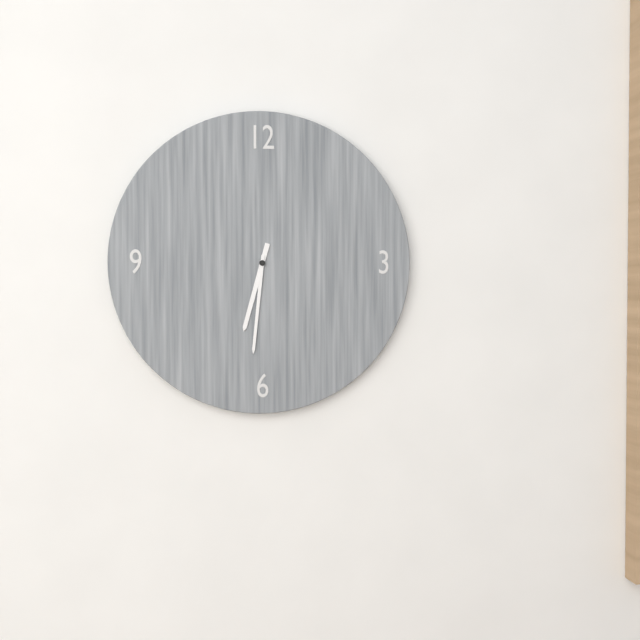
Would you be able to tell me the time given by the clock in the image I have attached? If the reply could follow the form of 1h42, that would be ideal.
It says 6h31
